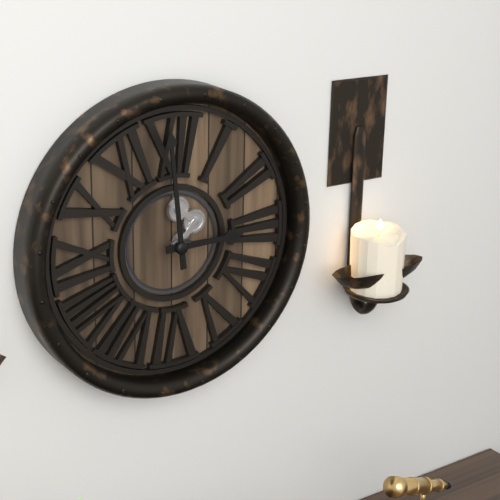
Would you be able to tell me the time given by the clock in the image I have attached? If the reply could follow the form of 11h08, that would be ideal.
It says 2h59
